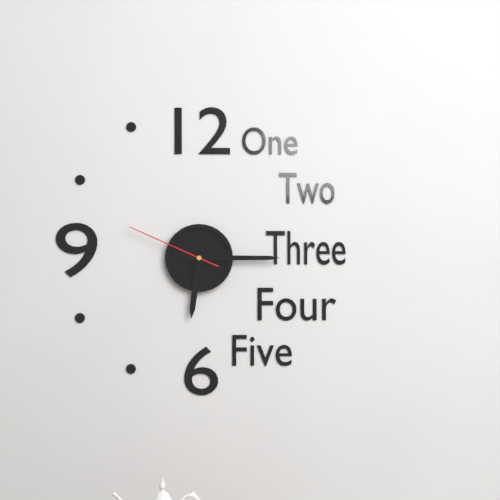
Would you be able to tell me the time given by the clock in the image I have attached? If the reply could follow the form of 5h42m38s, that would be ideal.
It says 6h15m49s
